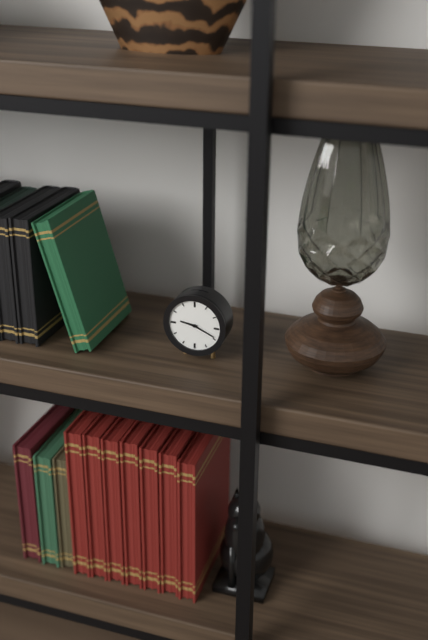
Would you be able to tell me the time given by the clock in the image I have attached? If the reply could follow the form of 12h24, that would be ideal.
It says 9h19
